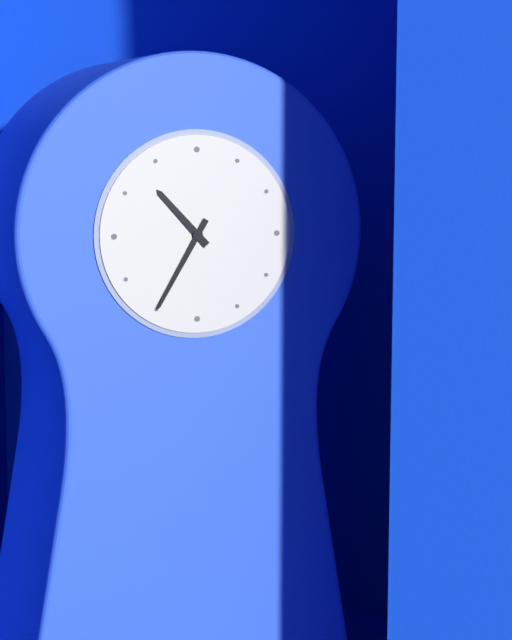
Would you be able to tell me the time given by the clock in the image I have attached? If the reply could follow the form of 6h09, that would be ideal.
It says 10h35
